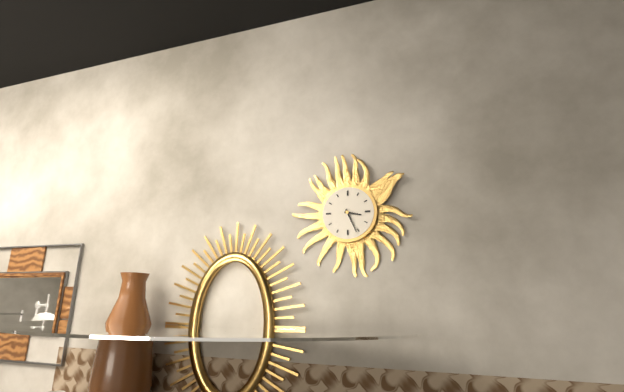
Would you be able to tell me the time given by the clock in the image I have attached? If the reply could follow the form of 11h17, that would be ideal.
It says 3h26
